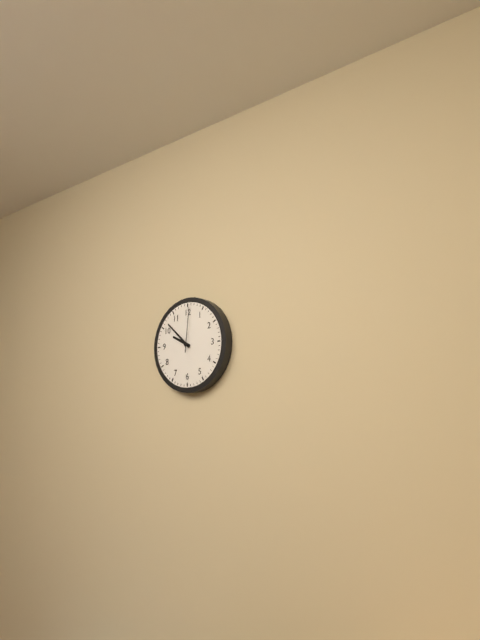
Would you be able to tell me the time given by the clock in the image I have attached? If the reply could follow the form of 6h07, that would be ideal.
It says 9h52
